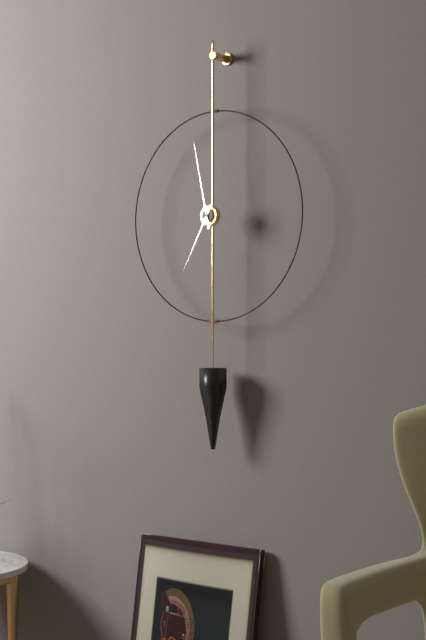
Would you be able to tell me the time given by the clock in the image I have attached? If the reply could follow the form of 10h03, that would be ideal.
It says 6h58
